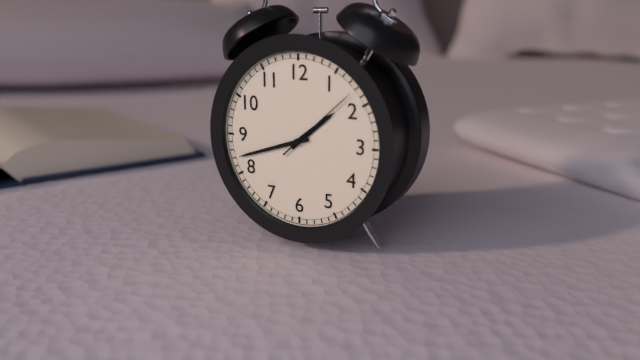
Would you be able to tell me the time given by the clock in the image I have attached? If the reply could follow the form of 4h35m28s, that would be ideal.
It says 1h42m08s
